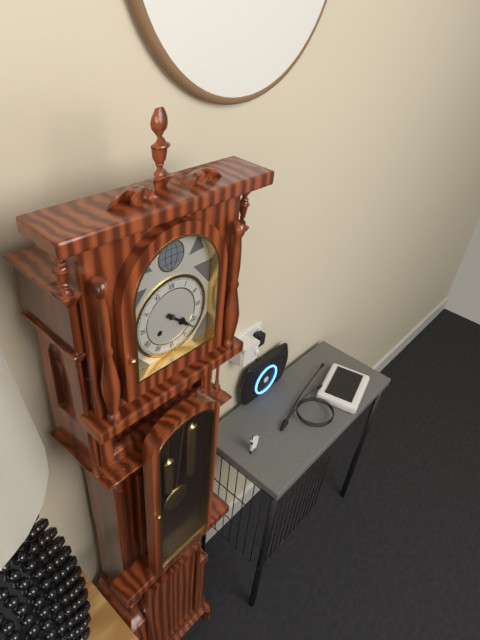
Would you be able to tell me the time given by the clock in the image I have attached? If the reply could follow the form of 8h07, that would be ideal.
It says 4h22
